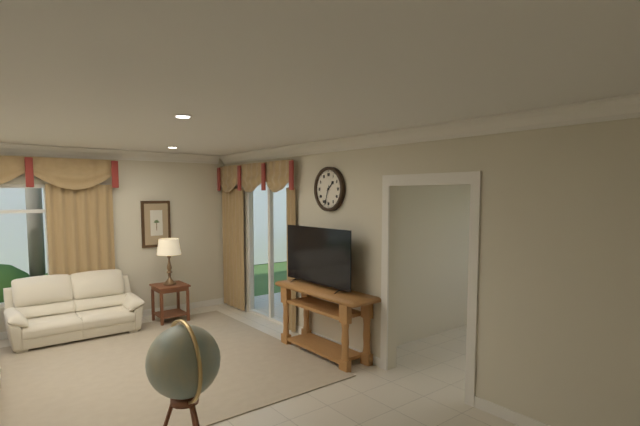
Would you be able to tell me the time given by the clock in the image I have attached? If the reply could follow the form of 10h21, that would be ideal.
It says 1h33
